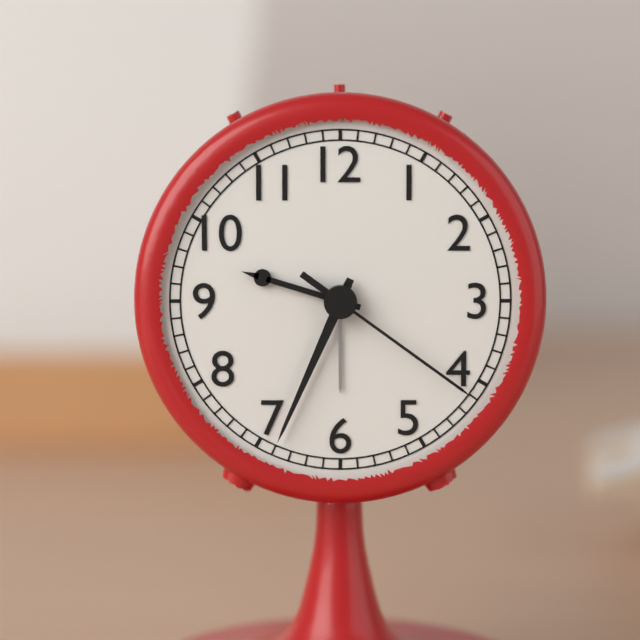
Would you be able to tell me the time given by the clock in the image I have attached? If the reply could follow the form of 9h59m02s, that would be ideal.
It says 9h34m21s
